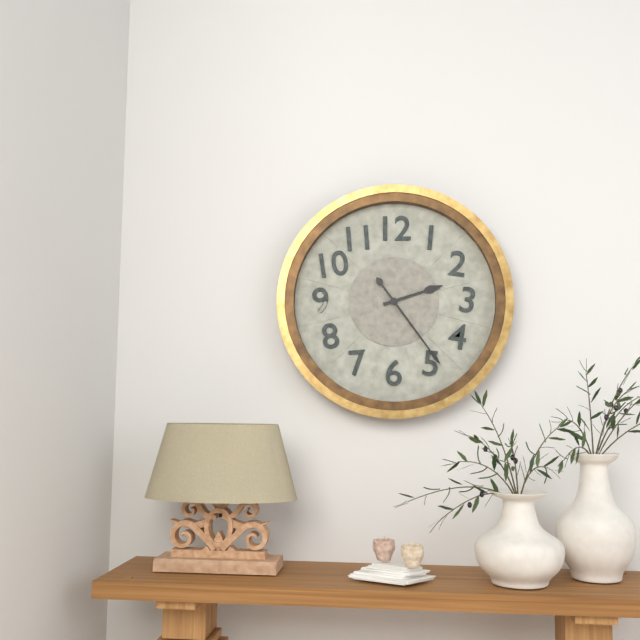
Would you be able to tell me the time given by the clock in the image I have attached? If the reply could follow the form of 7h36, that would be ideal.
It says 2h24
